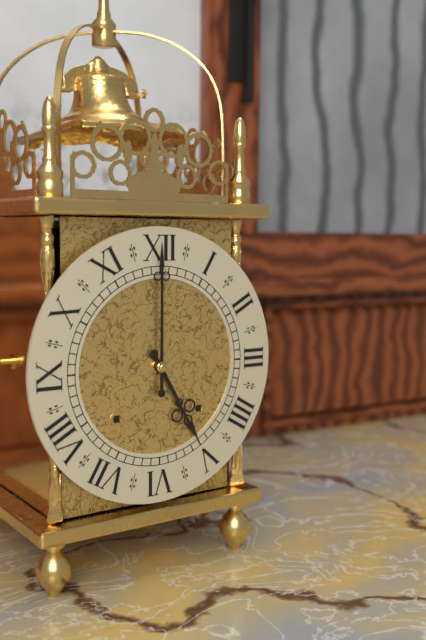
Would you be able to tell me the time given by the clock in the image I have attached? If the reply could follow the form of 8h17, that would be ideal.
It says 5h00
